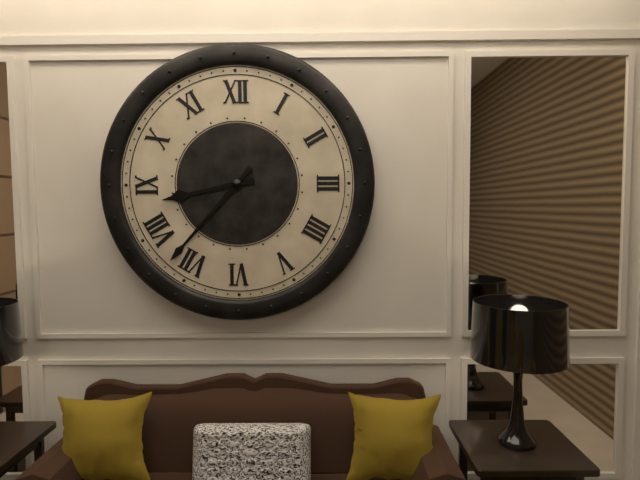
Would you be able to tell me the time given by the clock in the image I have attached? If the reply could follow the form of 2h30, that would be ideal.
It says 8h37
